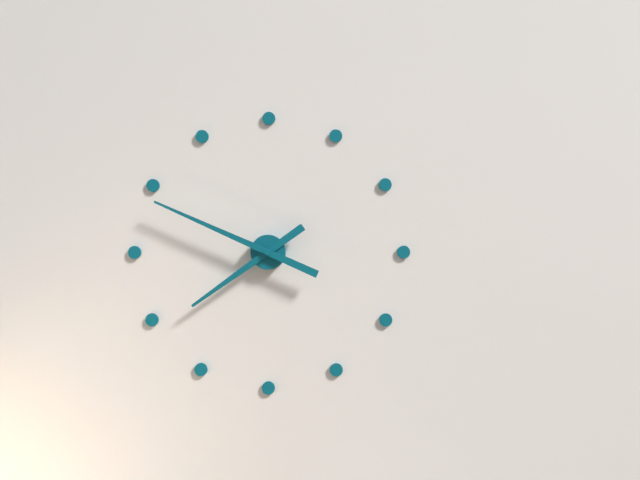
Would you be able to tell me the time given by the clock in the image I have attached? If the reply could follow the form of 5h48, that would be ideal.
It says 7h49
